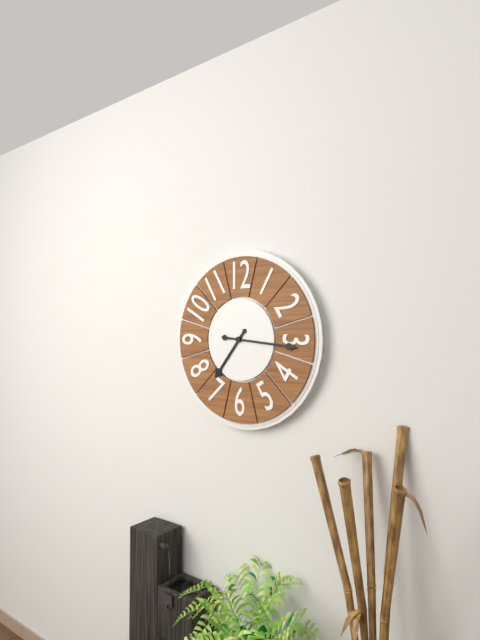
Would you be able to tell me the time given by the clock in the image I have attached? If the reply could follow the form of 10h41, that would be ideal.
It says 7h16
